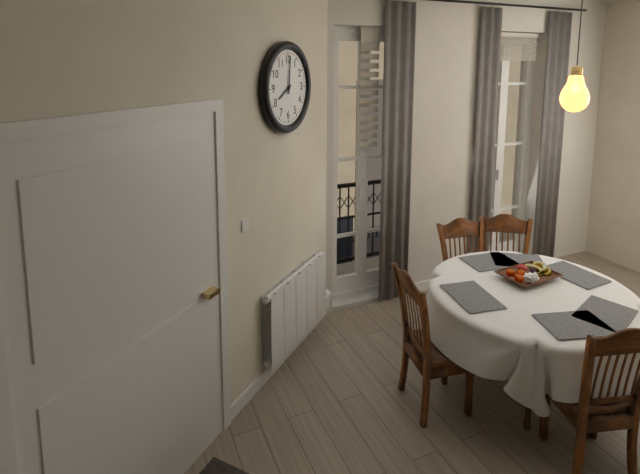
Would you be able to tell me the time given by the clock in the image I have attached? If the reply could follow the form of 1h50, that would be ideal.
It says 8h01
